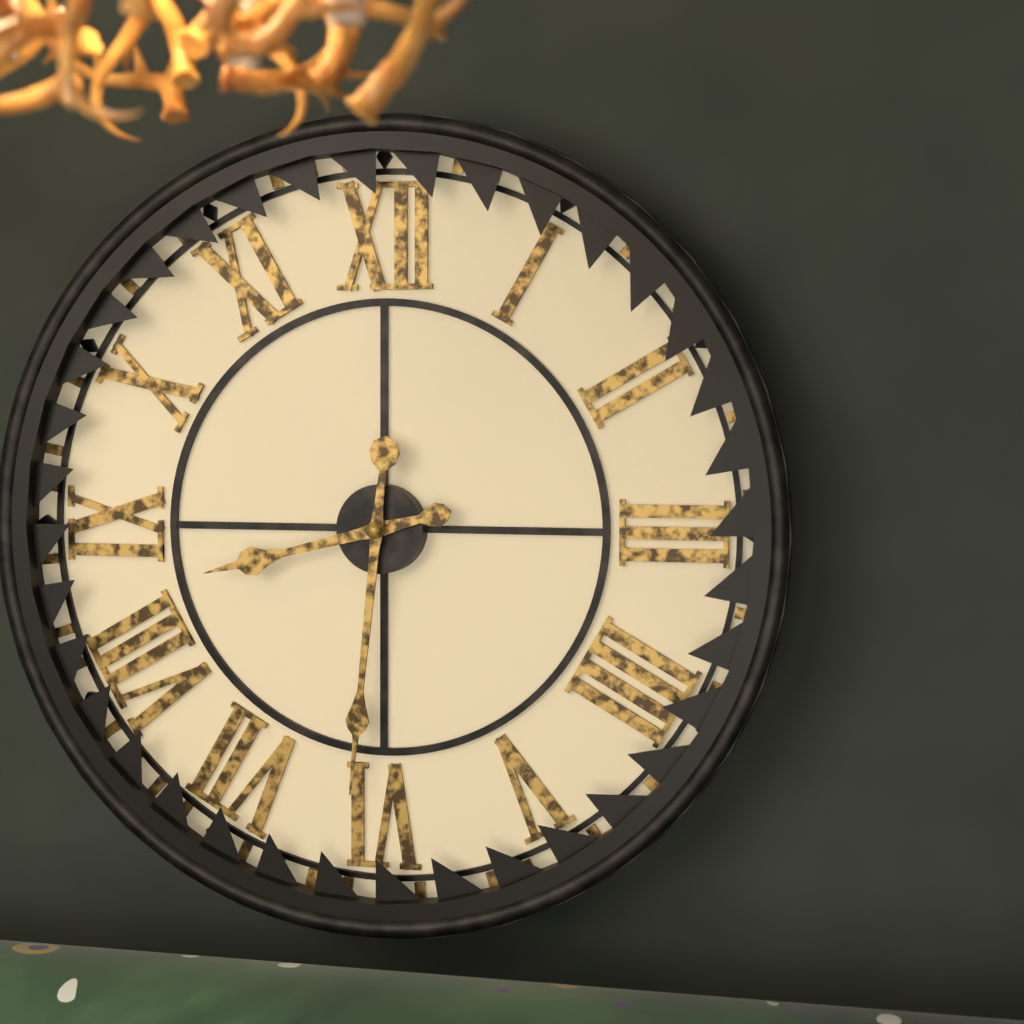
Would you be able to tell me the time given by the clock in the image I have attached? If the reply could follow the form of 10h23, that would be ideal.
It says 8h31
